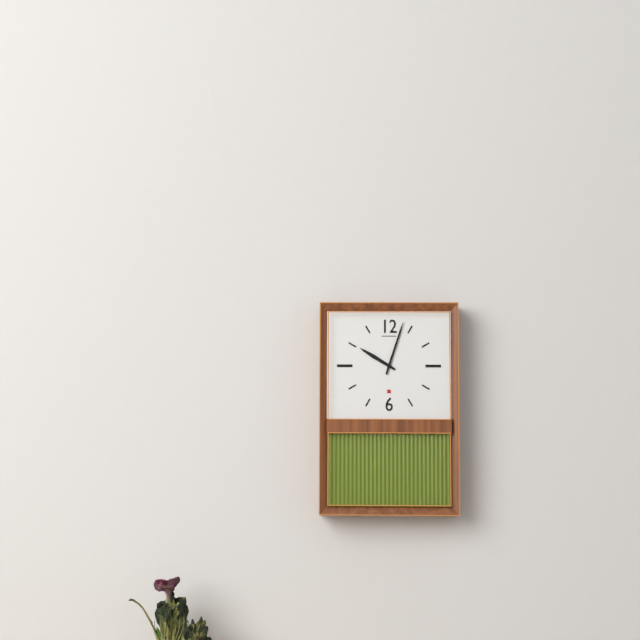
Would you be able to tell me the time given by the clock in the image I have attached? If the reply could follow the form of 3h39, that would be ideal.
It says 10h03
